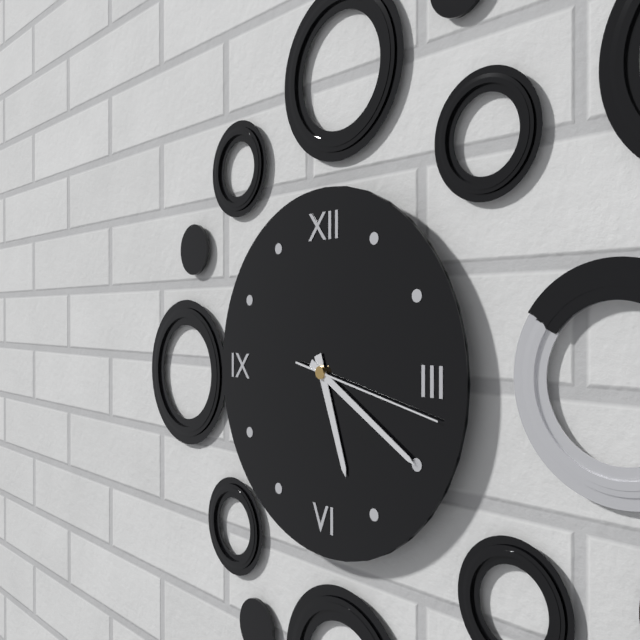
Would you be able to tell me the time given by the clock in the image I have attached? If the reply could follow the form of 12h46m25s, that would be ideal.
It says 5h20m17s
